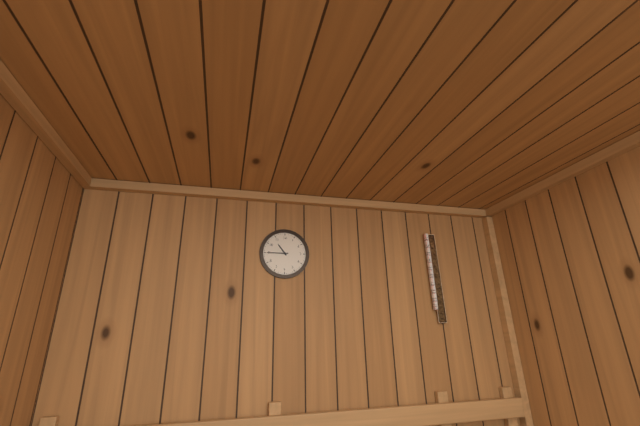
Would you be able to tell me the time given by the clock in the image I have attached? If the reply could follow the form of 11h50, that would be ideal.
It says 10h45
